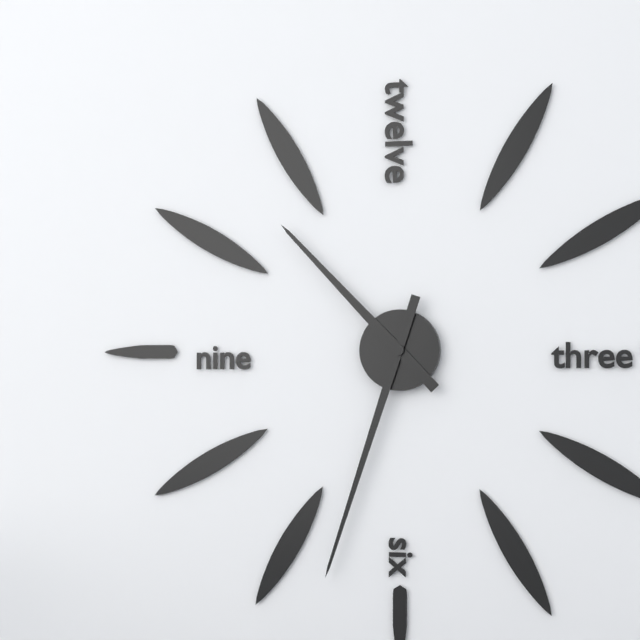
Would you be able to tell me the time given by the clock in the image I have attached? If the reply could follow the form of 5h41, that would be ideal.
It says 10h33
